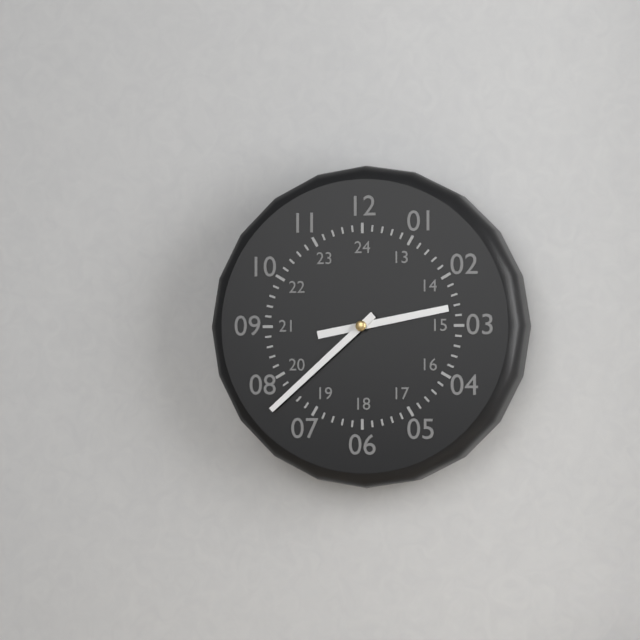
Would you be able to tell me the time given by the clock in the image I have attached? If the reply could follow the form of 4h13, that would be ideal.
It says 2h38
